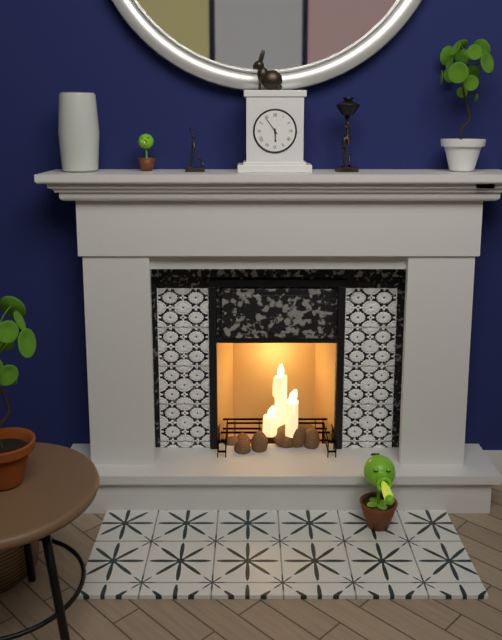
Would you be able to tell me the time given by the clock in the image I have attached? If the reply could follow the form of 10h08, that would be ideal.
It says 5h54
